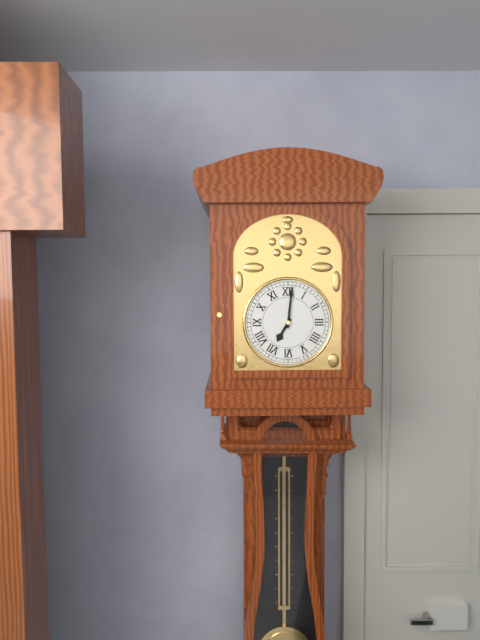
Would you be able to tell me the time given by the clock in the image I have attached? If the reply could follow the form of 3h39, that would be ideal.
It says 7h01
